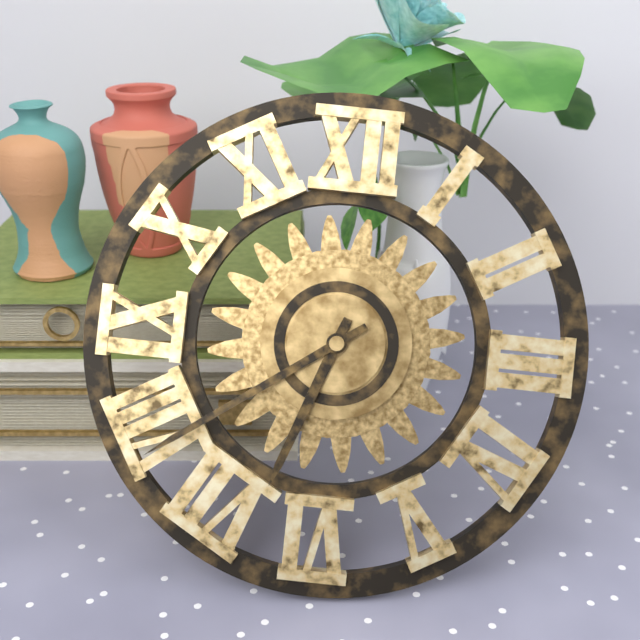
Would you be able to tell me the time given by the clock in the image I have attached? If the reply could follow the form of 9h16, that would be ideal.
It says 6h39
